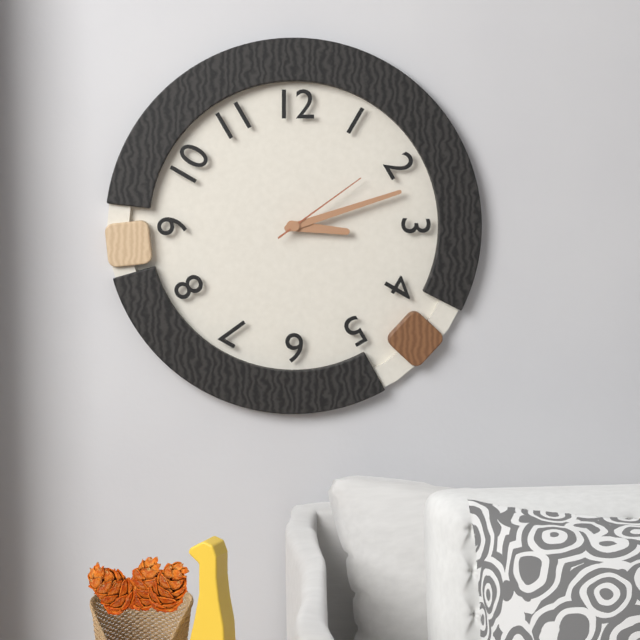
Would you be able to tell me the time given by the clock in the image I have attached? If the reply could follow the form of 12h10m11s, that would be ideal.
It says 3h12m09s
